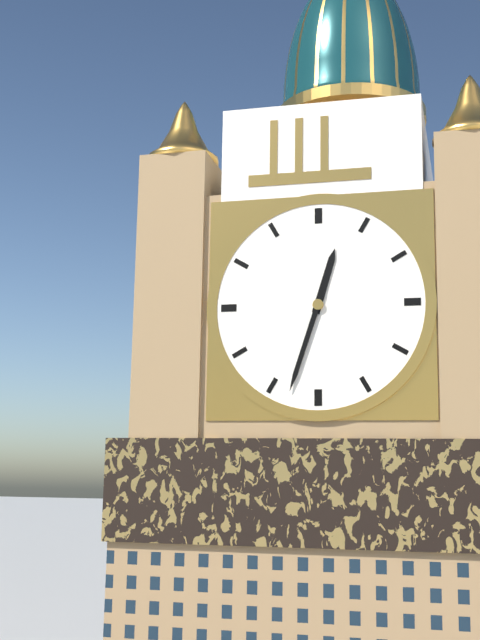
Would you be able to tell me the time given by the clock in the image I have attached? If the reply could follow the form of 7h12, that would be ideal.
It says 12h33
